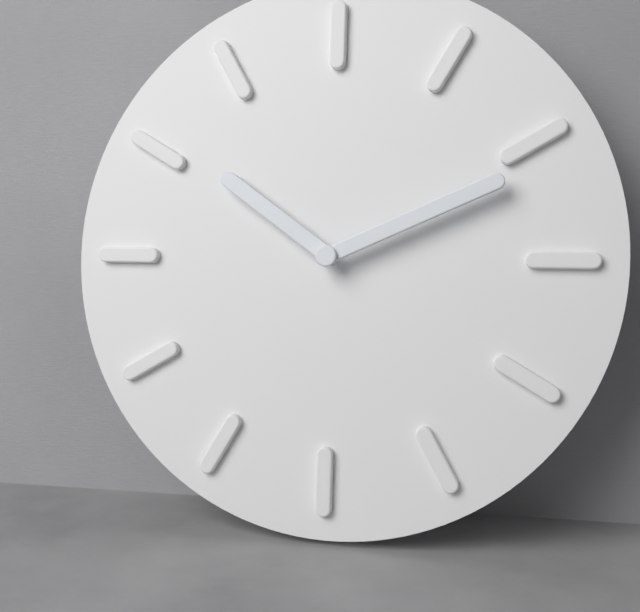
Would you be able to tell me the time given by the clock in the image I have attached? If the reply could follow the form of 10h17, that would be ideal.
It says 10h11
